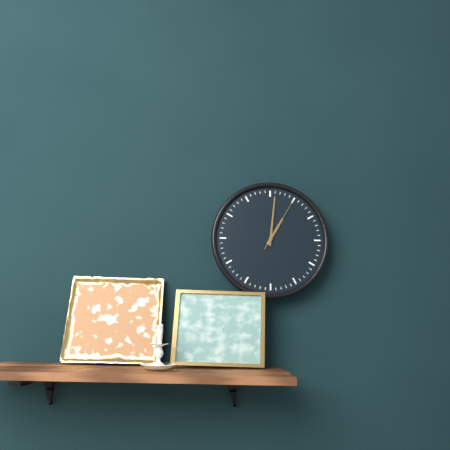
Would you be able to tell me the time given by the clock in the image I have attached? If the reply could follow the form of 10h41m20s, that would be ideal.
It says 1h01m05s
